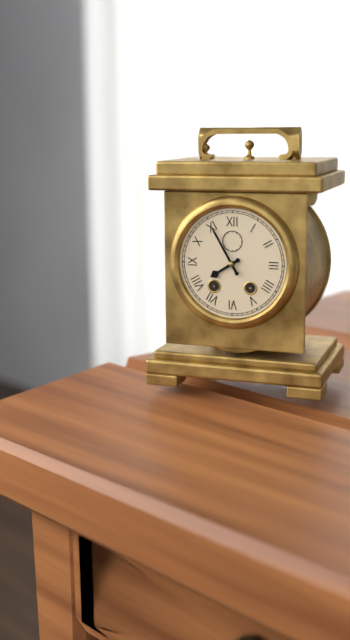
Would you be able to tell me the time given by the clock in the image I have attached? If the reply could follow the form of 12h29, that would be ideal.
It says 7h55
